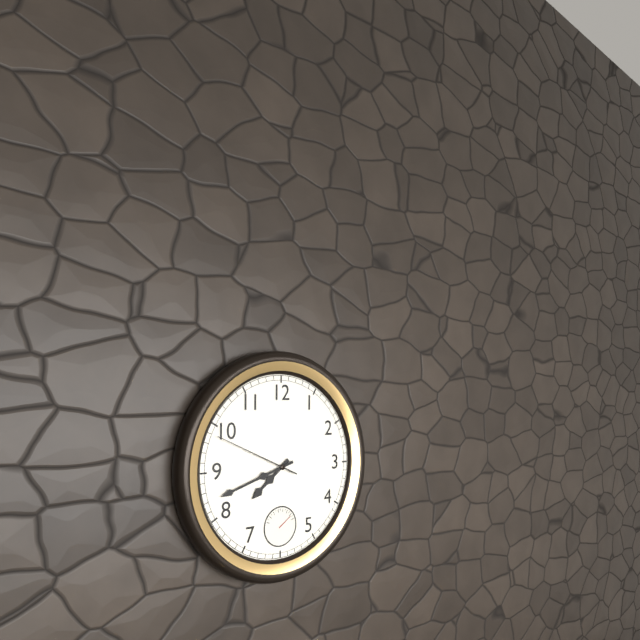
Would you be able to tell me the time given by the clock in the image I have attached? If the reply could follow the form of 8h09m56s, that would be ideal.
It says 7h42m49s
